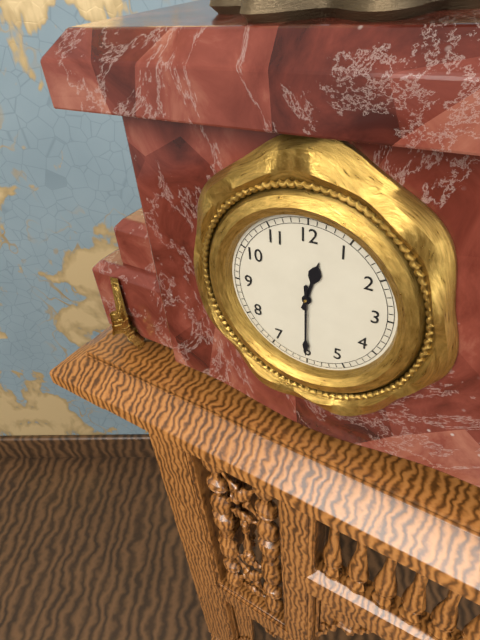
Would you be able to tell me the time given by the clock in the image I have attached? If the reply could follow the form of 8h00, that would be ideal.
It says 12h30
